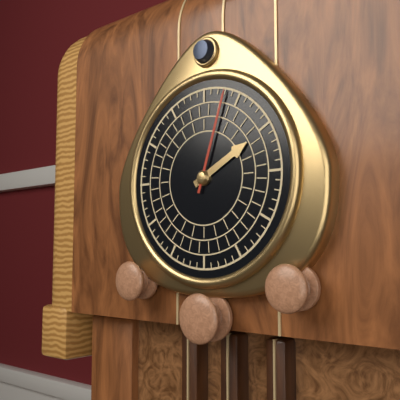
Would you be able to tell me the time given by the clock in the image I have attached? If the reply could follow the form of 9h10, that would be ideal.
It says 2h03
